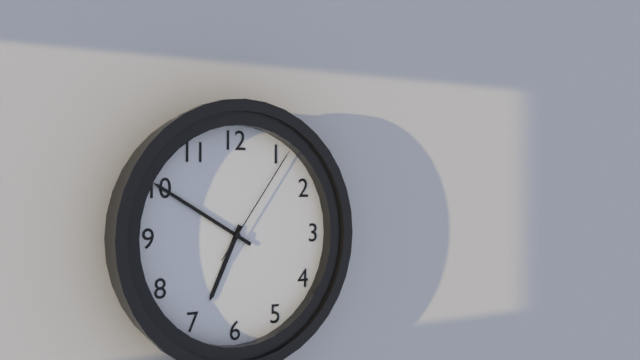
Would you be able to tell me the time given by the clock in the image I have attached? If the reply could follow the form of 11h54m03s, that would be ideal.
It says 6h50m06s
